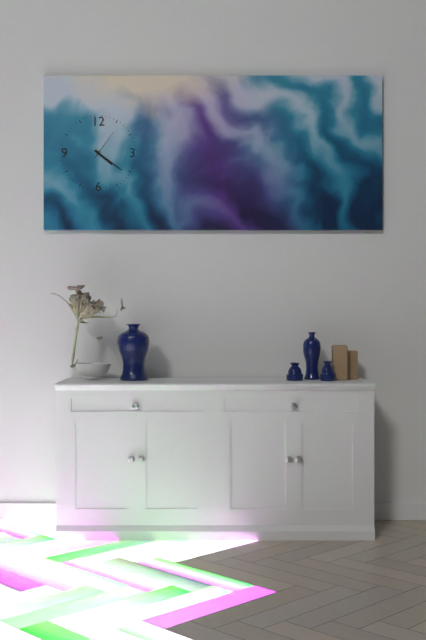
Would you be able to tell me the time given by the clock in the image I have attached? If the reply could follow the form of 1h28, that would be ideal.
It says 4h21
